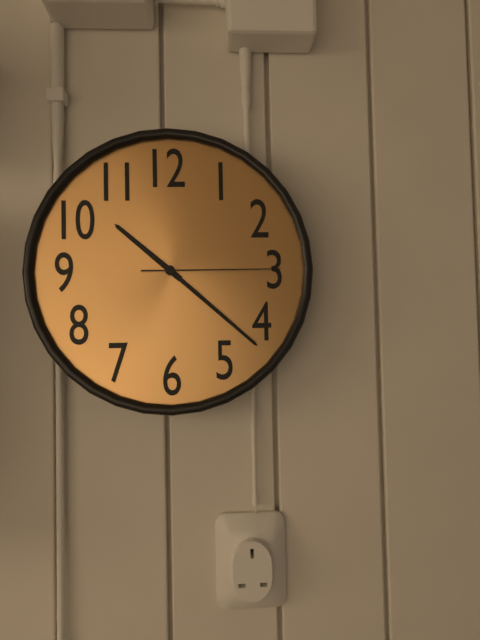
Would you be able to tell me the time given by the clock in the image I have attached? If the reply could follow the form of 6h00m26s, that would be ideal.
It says 10h22m15s
